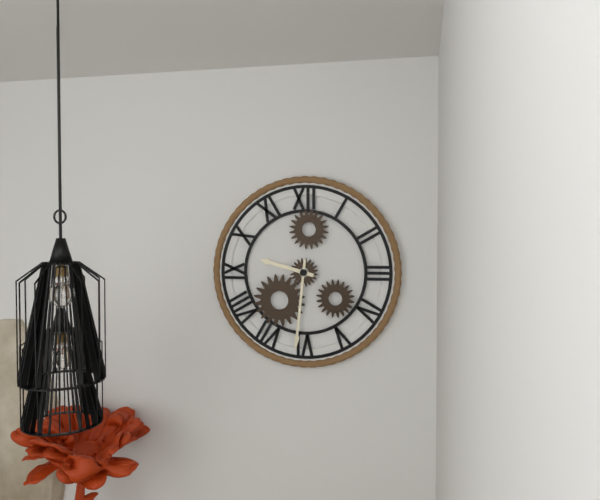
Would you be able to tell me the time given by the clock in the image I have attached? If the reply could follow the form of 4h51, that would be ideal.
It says 9h31
